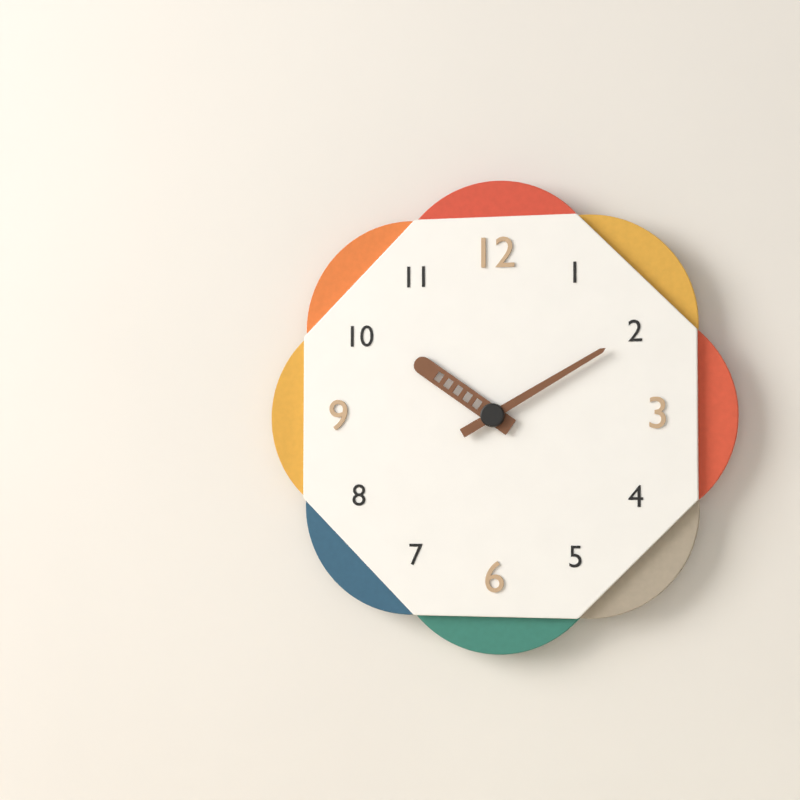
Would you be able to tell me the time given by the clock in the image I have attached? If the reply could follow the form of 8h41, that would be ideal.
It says 10h10
